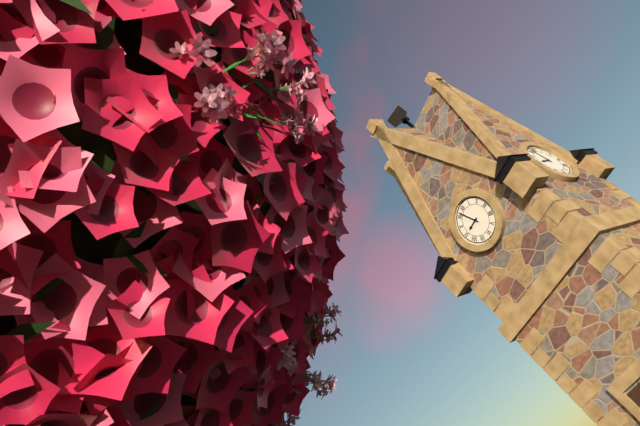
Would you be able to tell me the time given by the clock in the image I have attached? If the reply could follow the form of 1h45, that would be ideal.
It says 8h57
